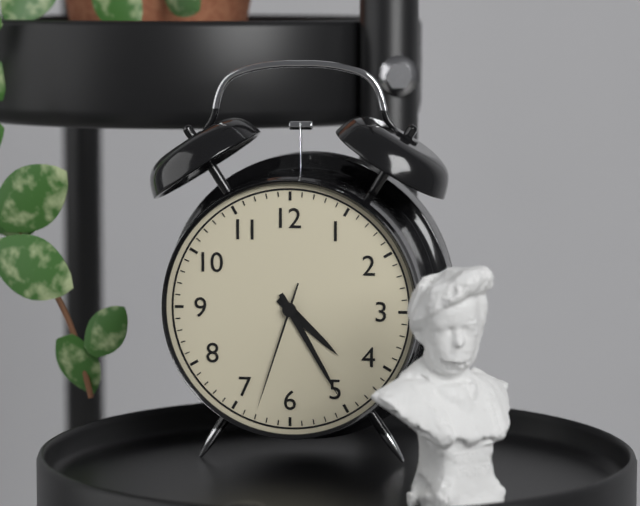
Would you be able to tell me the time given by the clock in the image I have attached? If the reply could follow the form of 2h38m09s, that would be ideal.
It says 4h25m33s
